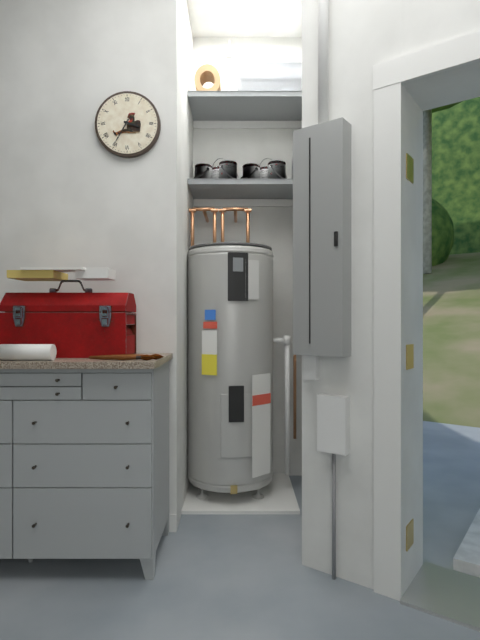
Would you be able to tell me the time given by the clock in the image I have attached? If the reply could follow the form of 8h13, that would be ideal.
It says 3h35
